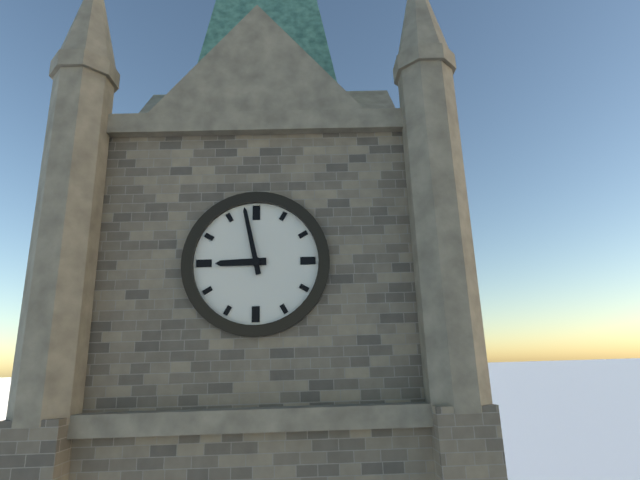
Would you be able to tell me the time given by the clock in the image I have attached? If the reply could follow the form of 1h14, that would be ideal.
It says 8h58
